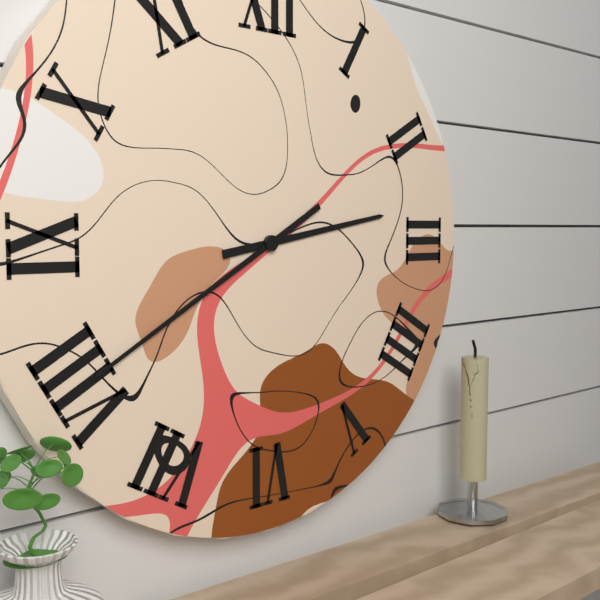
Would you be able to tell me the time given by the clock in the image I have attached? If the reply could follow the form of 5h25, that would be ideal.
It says 2h40
